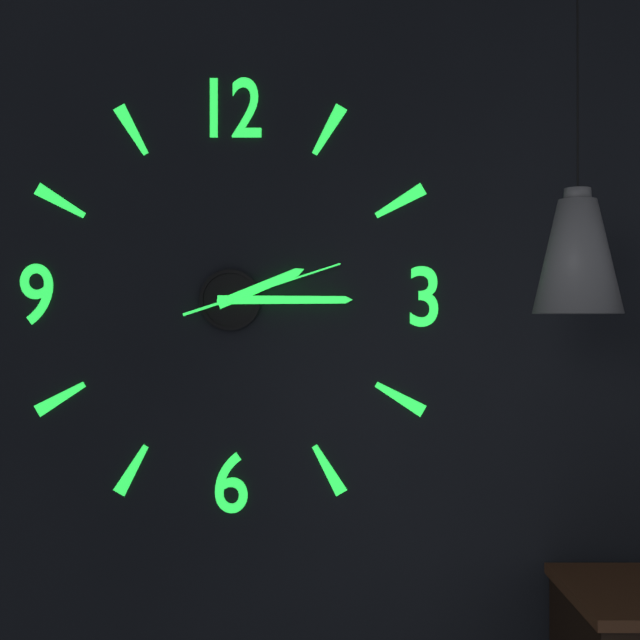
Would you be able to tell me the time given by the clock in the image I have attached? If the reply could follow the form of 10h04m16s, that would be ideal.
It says 2h15m12s
